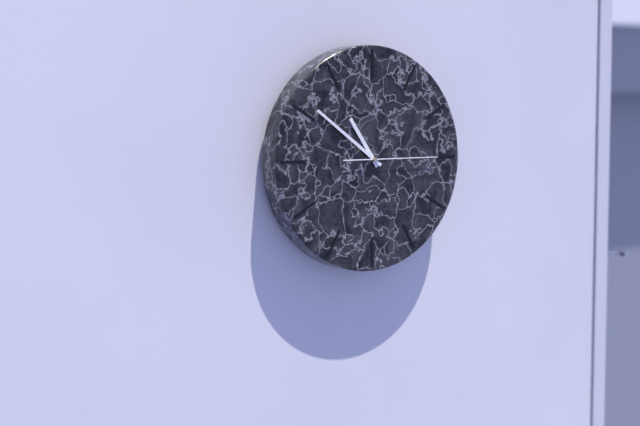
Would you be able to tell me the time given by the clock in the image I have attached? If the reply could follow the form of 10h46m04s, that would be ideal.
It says 10h51m15s
